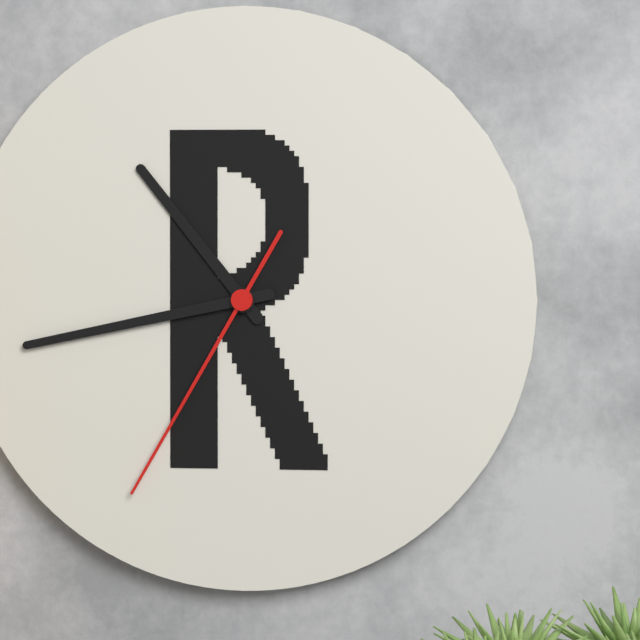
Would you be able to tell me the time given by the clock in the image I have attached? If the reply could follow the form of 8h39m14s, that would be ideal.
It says 10h43m35s
